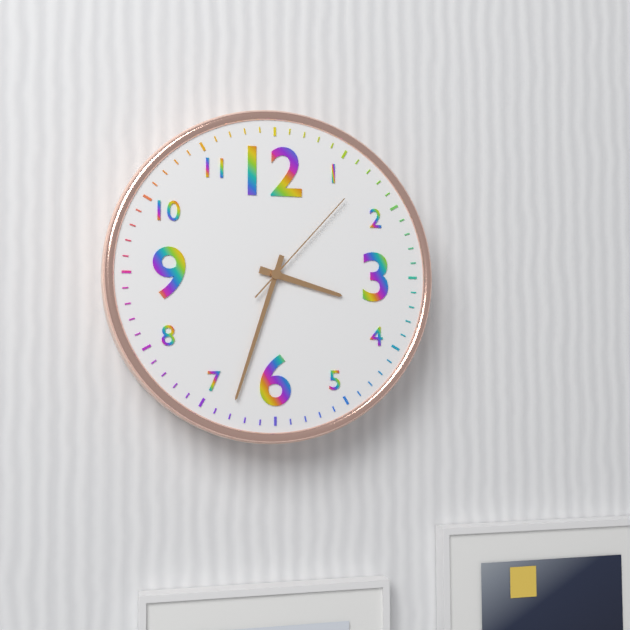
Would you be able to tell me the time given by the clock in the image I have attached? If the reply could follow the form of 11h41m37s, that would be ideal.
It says 3h33m07s
